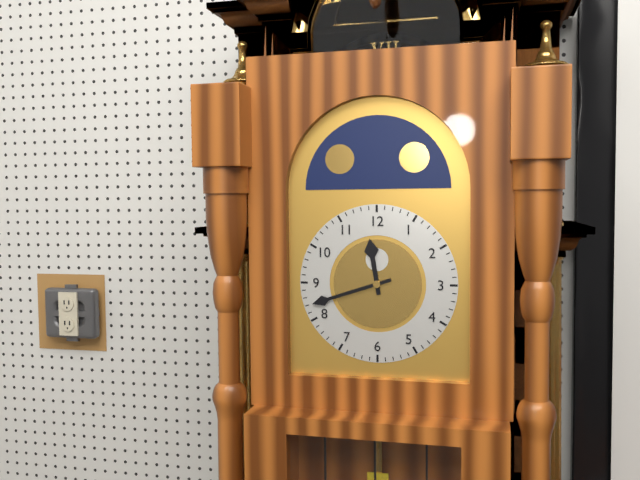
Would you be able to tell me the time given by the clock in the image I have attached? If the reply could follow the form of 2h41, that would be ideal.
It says 11h42
